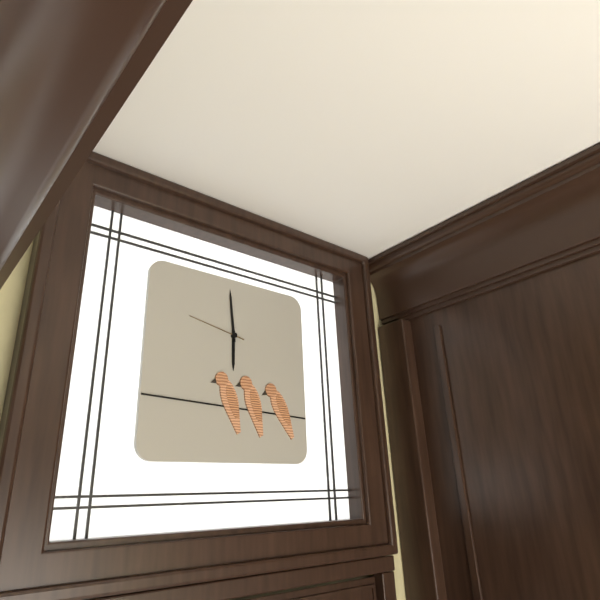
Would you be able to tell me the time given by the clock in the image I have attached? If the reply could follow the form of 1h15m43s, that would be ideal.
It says 5h59m47s
